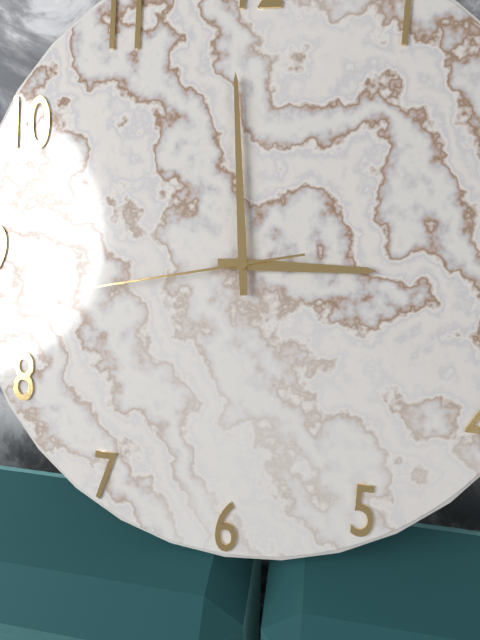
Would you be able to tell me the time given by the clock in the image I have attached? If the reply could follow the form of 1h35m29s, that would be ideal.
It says 2h59m43s
